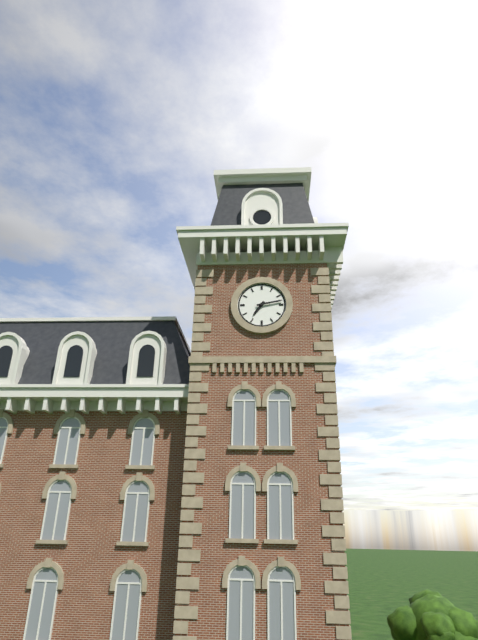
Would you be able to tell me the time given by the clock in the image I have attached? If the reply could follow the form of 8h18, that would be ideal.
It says 7h13
